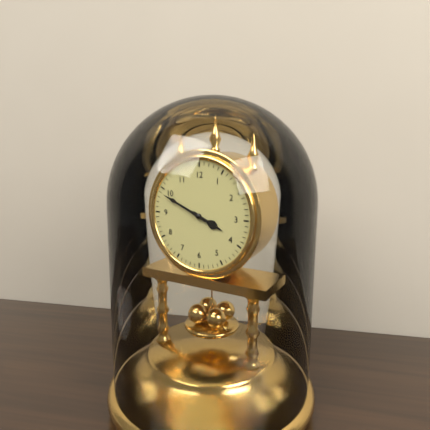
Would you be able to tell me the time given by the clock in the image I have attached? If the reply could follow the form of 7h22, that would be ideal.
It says 3h49
